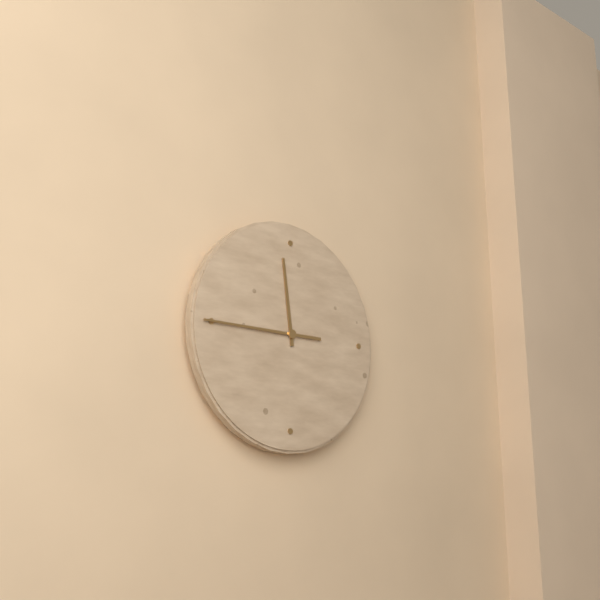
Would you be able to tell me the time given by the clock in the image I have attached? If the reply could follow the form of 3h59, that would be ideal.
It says 11h45
